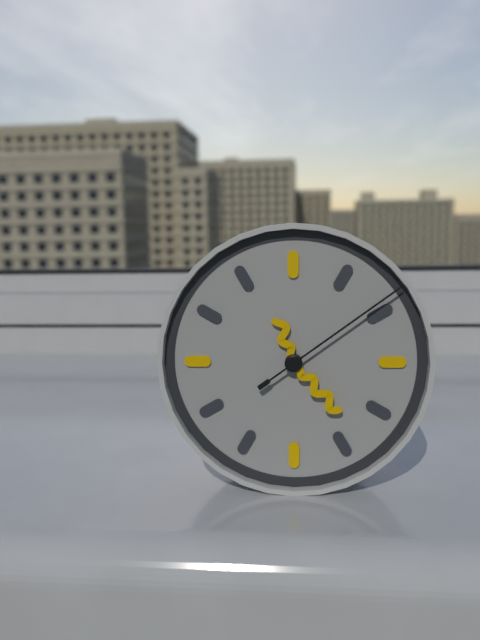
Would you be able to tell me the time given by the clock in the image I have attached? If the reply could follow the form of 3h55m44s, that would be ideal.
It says 11h23m09s
